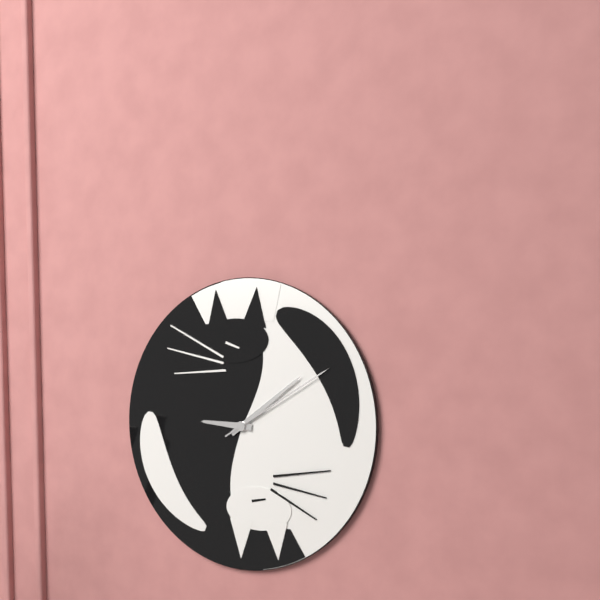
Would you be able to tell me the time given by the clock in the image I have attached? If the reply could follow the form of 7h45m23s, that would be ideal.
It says 9h09m10s
